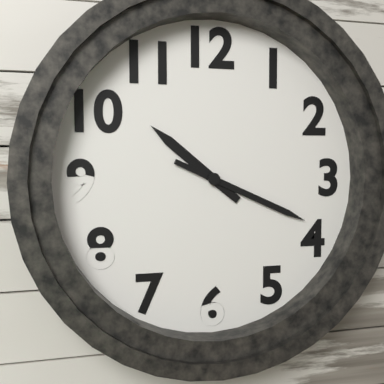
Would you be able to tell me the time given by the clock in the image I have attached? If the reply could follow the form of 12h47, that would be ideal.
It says 10h19
